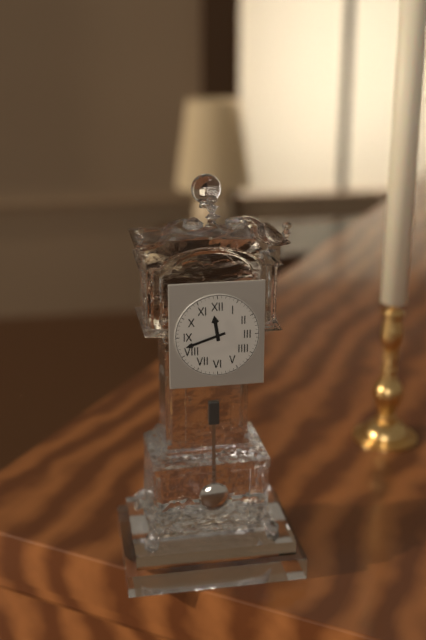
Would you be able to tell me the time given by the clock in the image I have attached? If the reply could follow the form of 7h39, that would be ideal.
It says 11h42
